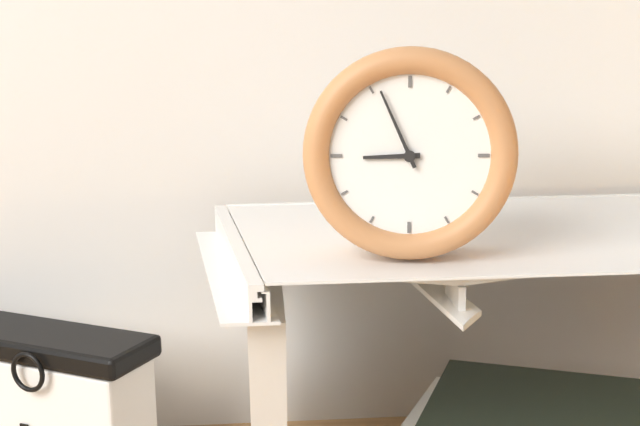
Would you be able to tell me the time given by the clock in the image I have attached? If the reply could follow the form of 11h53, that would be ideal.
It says 8h56
